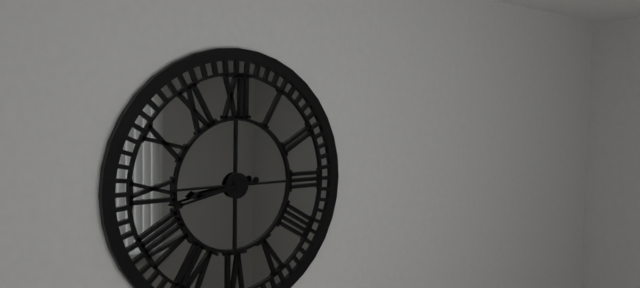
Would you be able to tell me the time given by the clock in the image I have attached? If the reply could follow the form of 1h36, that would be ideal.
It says 8h43
